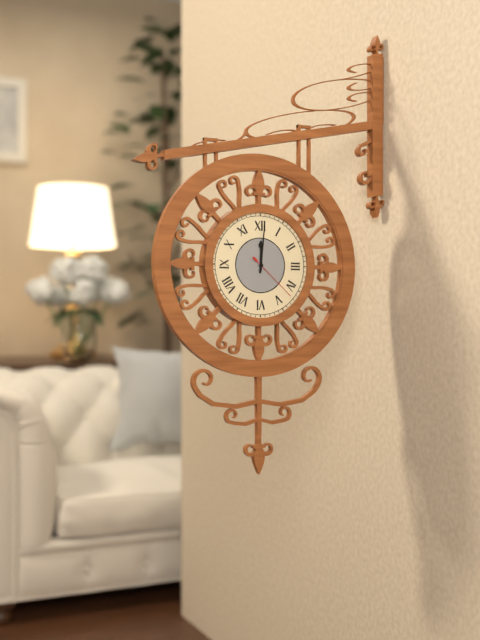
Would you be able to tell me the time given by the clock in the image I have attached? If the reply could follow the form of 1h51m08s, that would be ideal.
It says 12h01m22s
